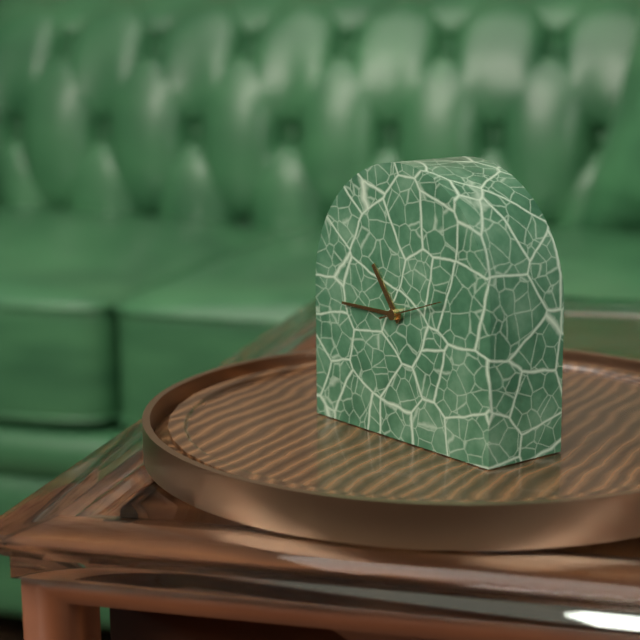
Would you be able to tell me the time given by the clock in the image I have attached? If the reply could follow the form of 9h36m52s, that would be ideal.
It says 10h45m12s
